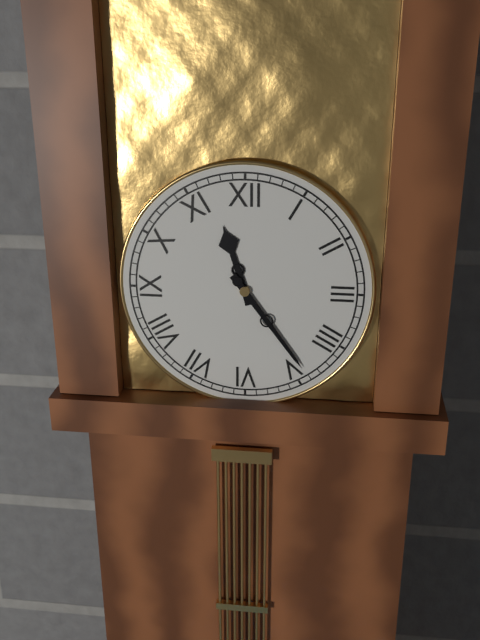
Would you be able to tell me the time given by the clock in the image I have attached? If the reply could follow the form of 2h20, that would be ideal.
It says 11h24
